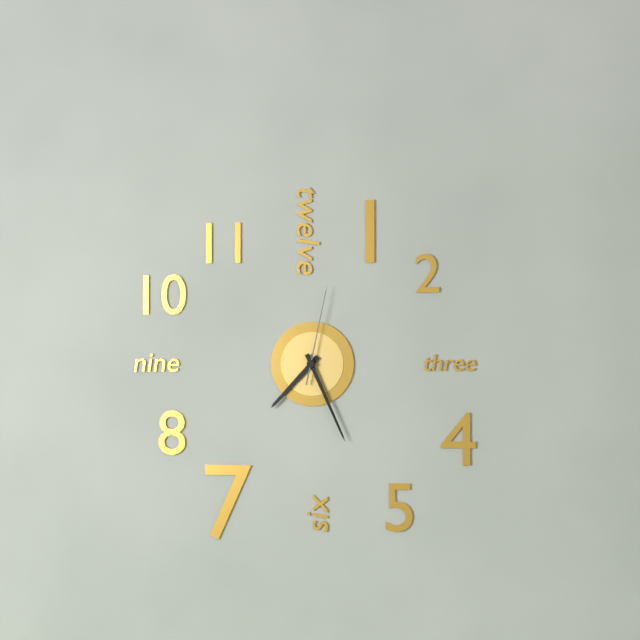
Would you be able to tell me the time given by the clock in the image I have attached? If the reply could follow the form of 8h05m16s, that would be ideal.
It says 7h26m02s
